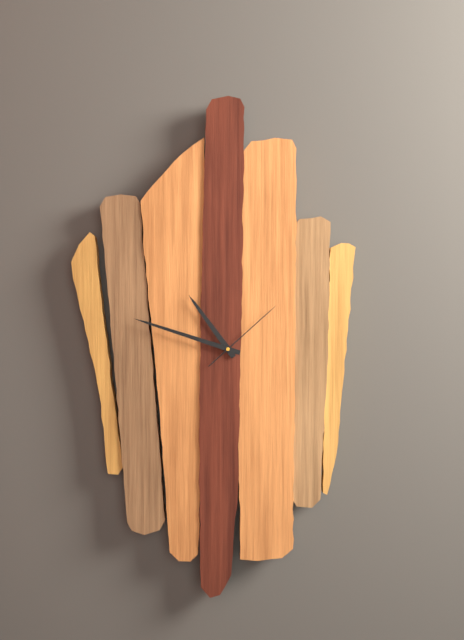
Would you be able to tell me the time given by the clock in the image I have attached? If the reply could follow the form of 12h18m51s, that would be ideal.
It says 10h48m08s
